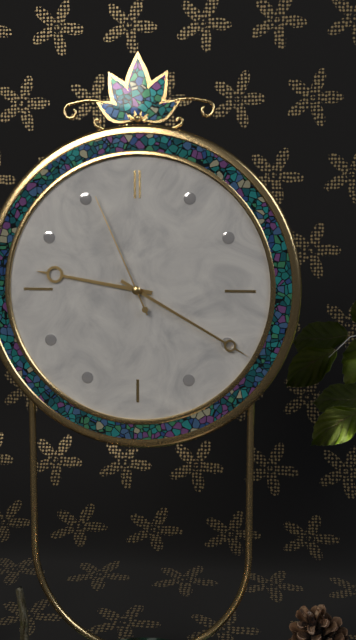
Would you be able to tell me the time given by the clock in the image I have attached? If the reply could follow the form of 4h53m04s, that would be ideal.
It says 9h20m56s
